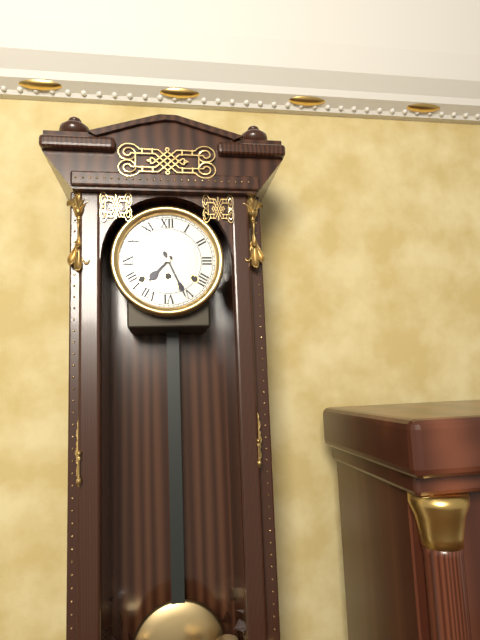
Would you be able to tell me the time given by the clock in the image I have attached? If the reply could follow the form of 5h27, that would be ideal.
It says 7h26
